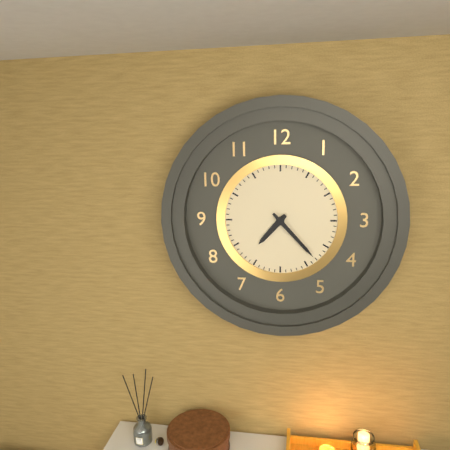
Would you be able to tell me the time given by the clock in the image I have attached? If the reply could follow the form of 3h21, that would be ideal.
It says 7h23
